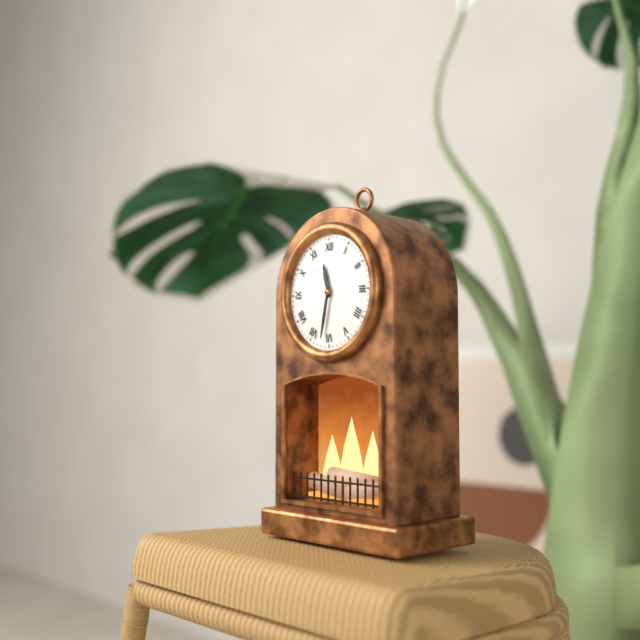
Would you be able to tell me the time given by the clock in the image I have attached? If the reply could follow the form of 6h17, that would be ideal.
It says 11h32
